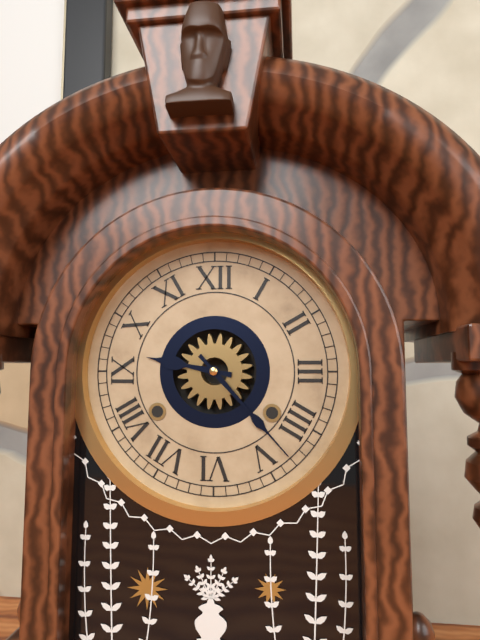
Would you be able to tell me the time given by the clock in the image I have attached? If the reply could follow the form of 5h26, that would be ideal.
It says 9h23
